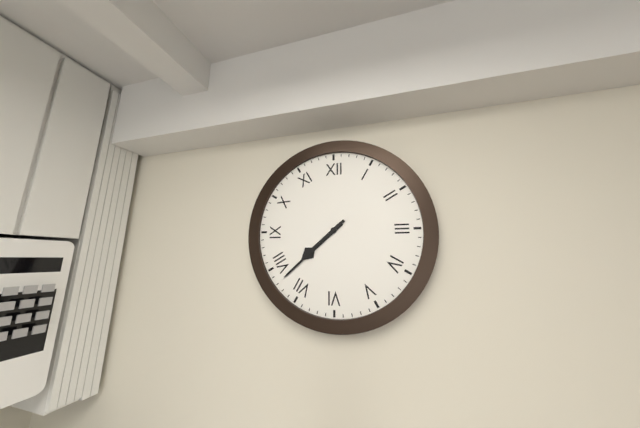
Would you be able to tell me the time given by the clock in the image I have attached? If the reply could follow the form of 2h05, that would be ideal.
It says 7h38
